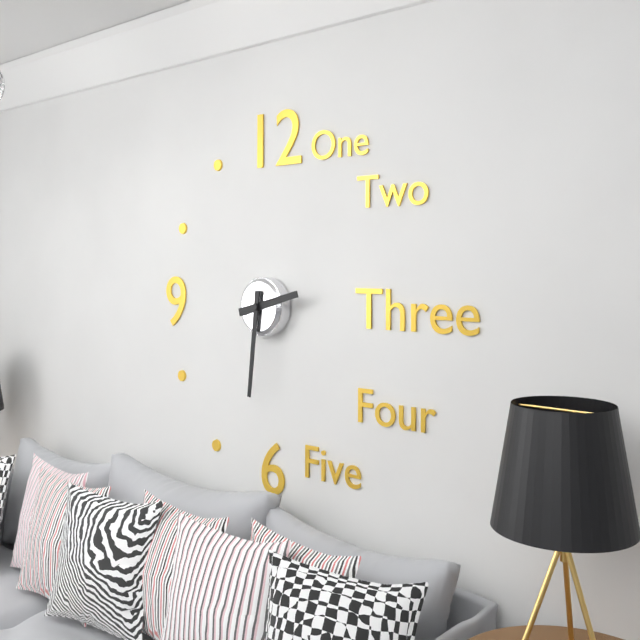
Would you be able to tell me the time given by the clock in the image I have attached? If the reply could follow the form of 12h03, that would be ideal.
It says 2h31
